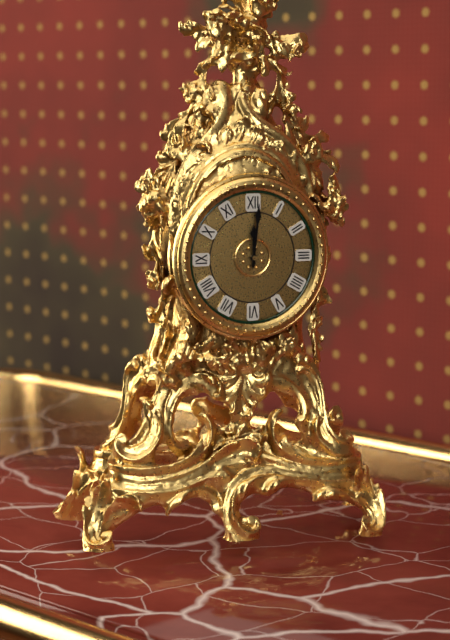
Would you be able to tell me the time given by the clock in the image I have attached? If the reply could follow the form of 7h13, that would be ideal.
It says 12h01
